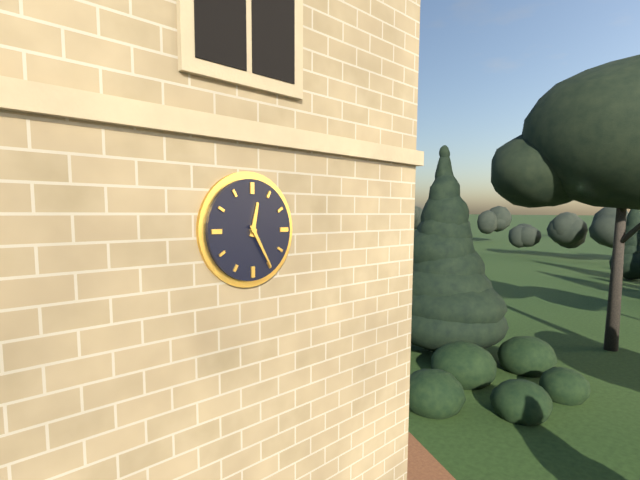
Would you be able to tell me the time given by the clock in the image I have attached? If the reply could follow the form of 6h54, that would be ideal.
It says 12h25
